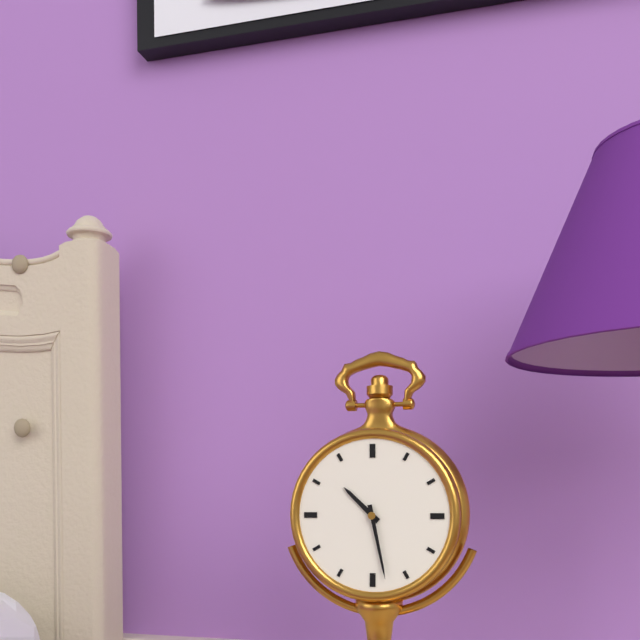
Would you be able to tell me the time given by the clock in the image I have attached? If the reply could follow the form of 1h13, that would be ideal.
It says 10h28
